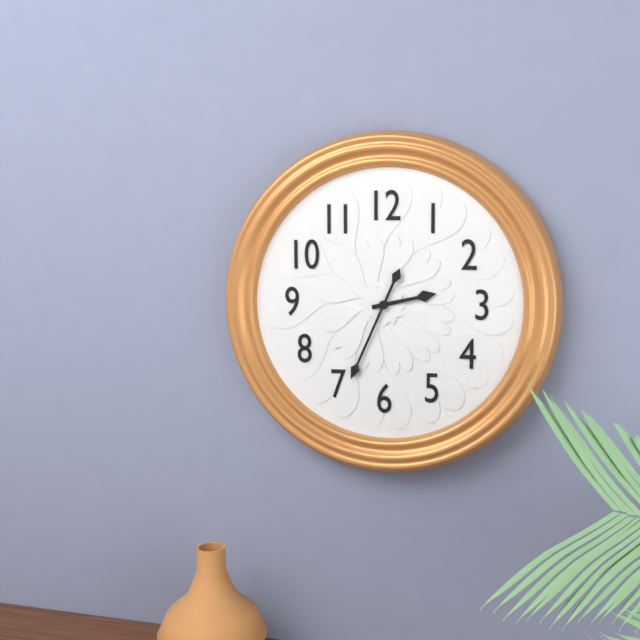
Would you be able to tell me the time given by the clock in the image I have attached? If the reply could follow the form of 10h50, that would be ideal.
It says 2h34
